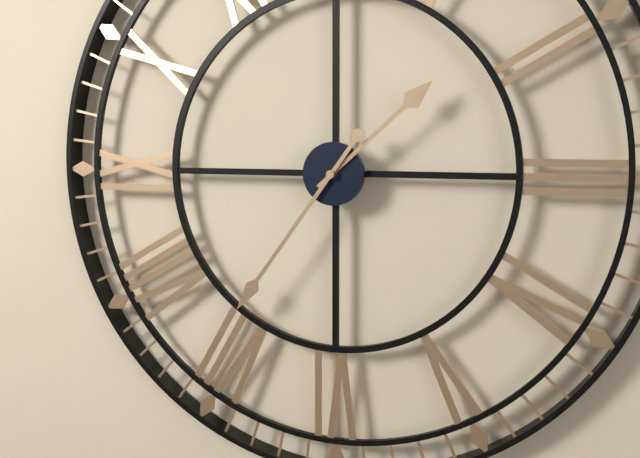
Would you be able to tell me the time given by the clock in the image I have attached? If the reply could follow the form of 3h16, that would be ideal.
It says 1h36
